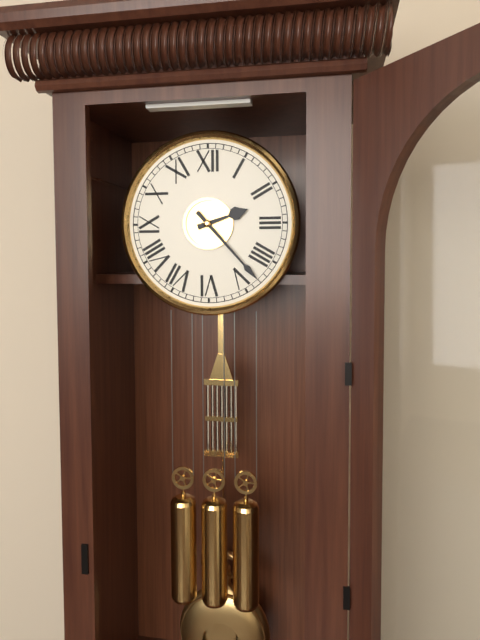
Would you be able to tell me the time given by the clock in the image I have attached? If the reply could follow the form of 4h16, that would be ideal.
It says 2h23
